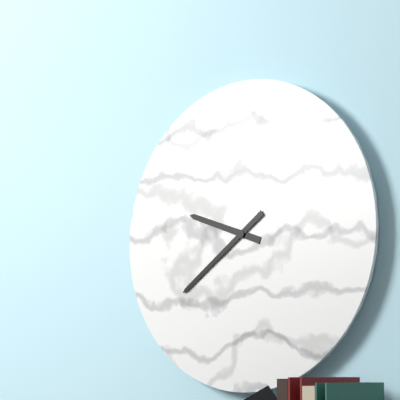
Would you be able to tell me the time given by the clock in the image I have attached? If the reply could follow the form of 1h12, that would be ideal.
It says 9h39
